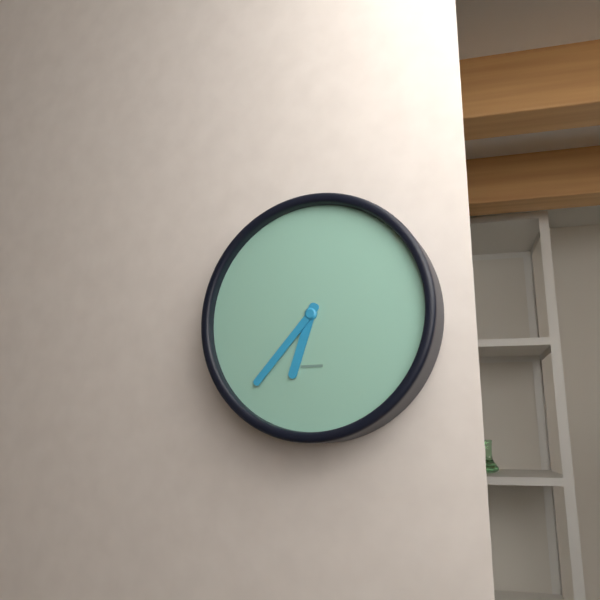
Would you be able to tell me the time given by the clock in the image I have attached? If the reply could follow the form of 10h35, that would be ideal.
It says 6h37
